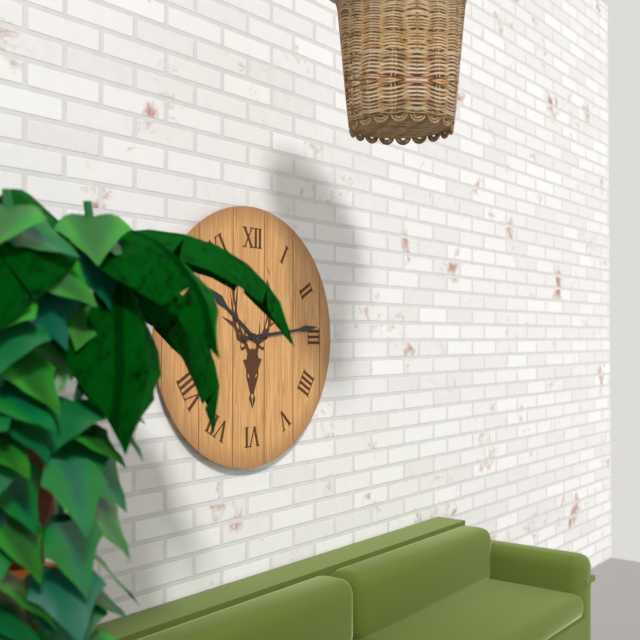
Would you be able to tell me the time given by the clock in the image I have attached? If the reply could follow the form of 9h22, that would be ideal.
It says 10h14
